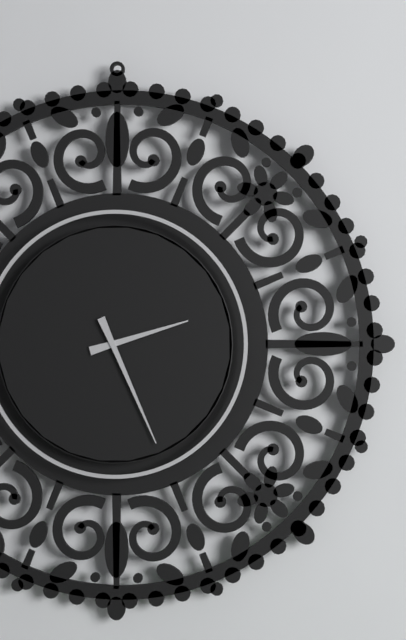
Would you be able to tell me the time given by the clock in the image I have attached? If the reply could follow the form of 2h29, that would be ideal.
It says 2h26
